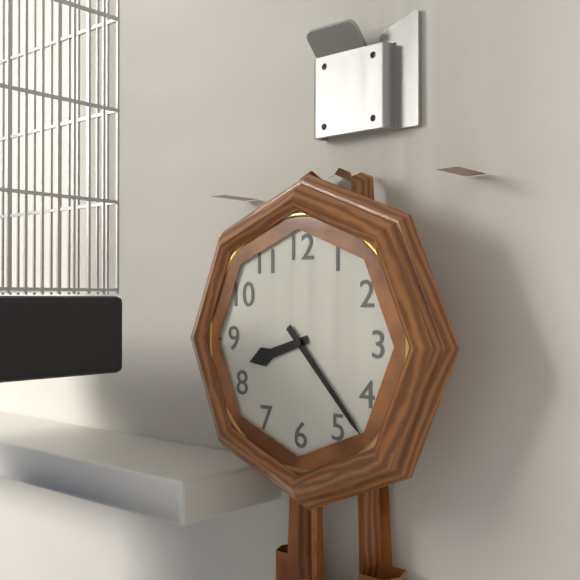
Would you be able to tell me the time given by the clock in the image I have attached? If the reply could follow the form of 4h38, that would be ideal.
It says 8h23
